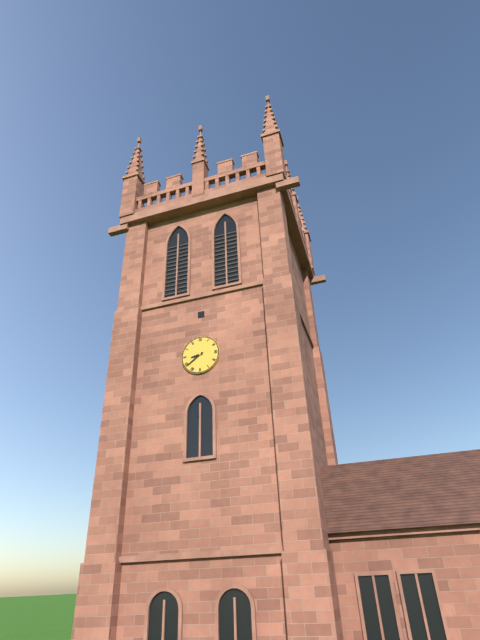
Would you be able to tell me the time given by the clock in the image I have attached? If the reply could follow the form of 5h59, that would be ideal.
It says 8h39
